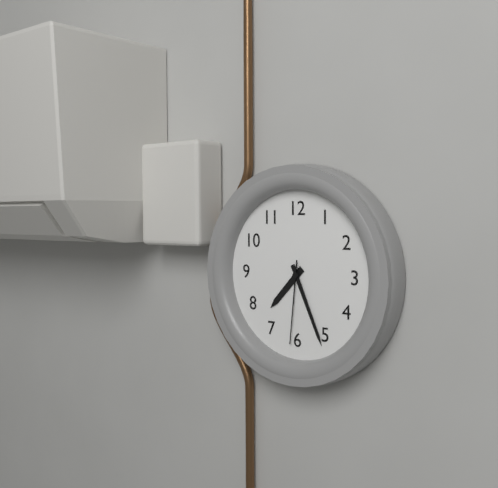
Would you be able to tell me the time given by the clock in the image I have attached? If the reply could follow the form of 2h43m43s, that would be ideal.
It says 7h26m31s
